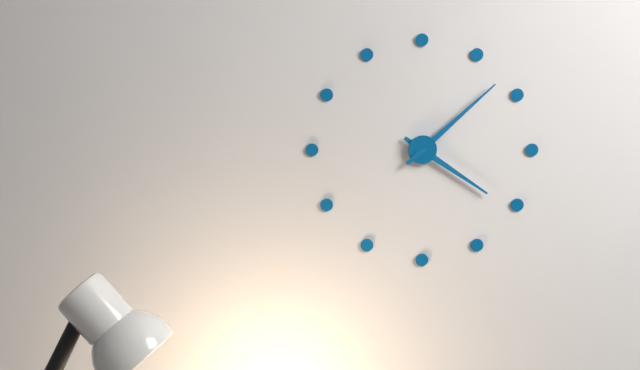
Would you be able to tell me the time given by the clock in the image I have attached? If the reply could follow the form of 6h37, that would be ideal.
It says 4h08
